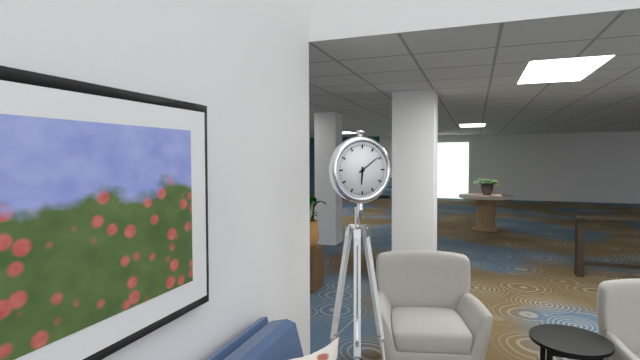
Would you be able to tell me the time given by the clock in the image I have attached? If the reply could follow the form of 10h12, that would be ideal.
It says 6h09
